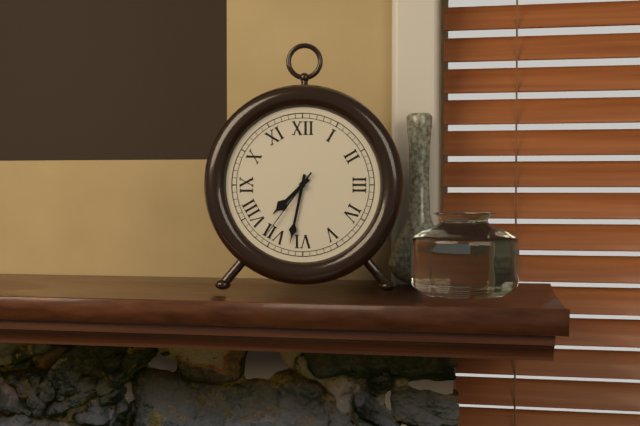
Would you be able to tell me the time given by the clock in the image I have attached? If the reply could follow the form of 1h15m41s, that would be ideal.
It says 7h32m36s
